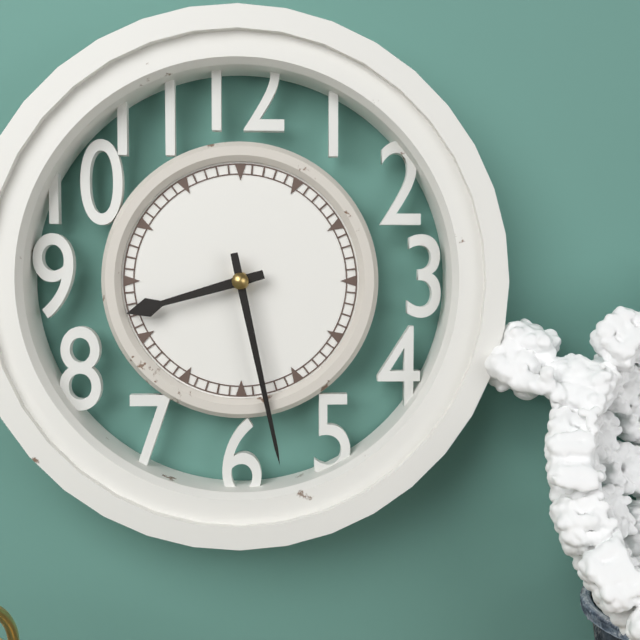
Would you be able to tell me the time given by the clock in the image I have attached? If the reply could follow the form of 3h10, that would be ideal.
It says 8h28
